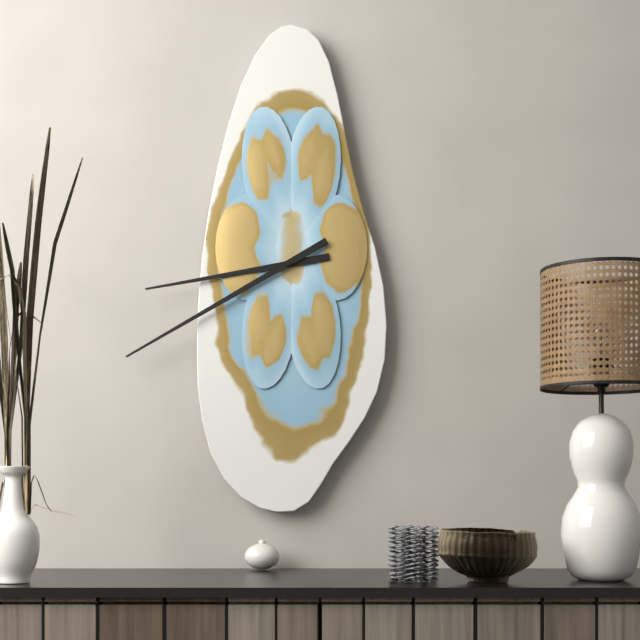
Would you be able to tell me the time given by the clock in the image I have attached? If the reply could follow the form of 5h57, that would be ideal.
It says 8h40
